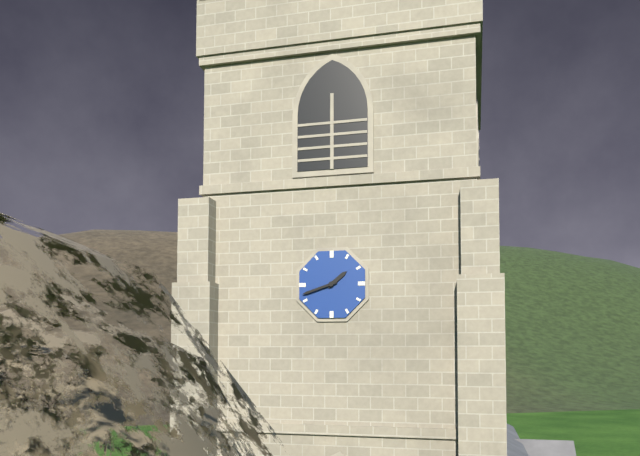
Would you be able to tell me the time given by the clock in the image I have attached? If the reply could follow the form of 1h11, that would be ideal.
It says 1h42
